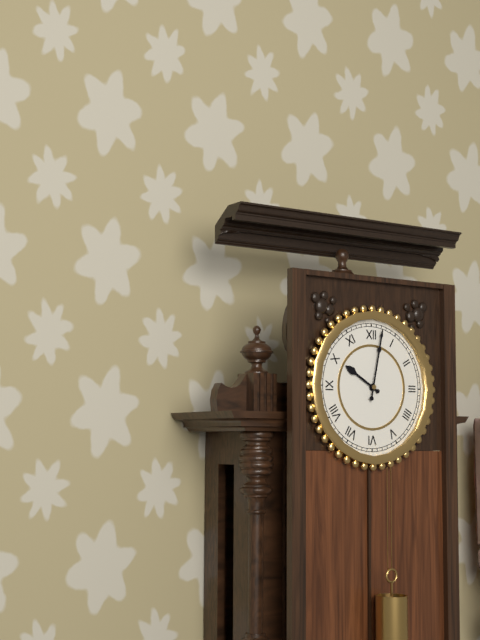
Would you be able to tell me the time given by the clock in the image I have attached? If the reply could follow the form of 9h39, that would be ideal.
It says 10h02
